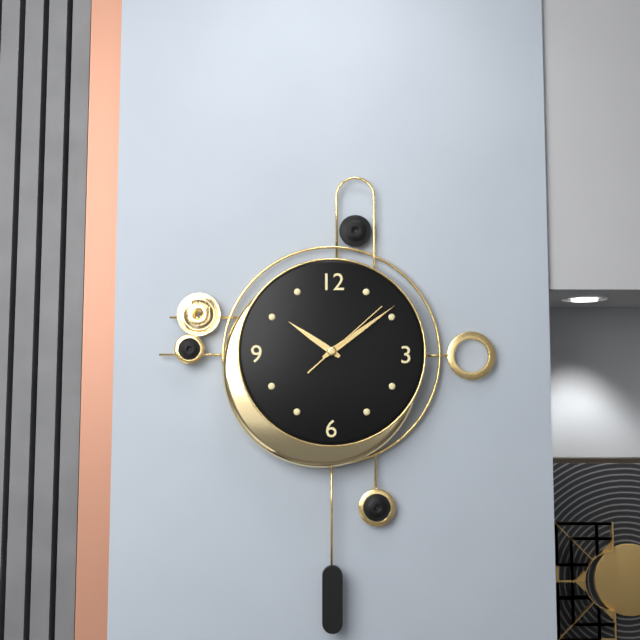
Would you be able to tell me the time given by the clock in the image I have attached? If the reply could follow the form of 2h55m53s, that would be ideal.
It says 10h09m08s
